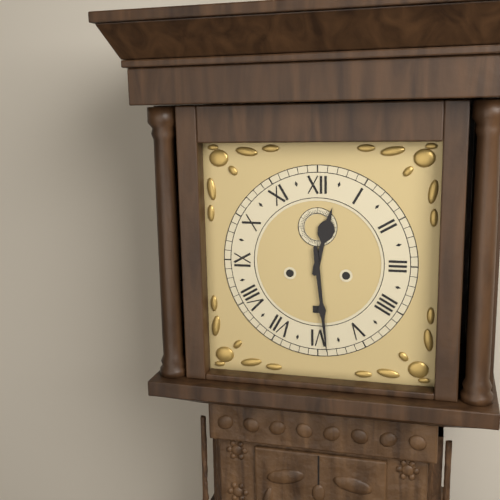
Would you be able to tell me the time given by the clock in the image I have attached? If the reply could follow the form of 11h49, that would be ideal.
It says 12h29
